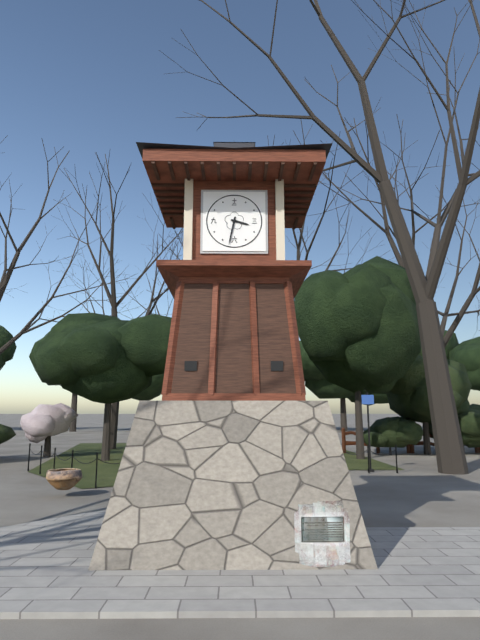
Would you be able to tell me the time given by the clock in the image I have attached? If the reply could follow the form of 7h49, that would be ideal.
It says 3h32
